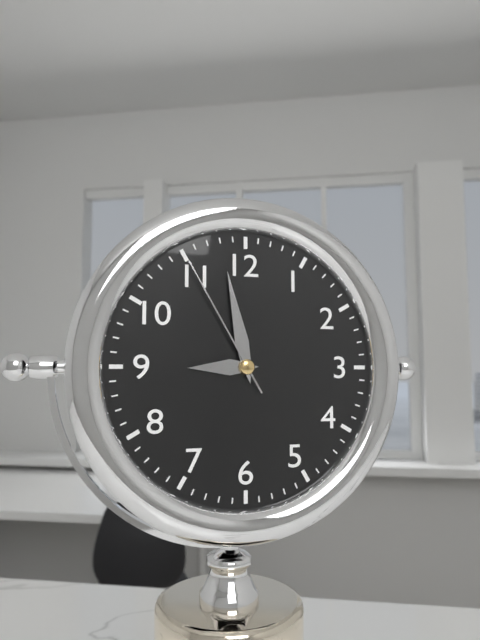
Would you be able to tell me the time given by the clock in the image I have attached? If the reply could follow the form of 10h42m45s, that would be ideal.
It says 8h58m55s
